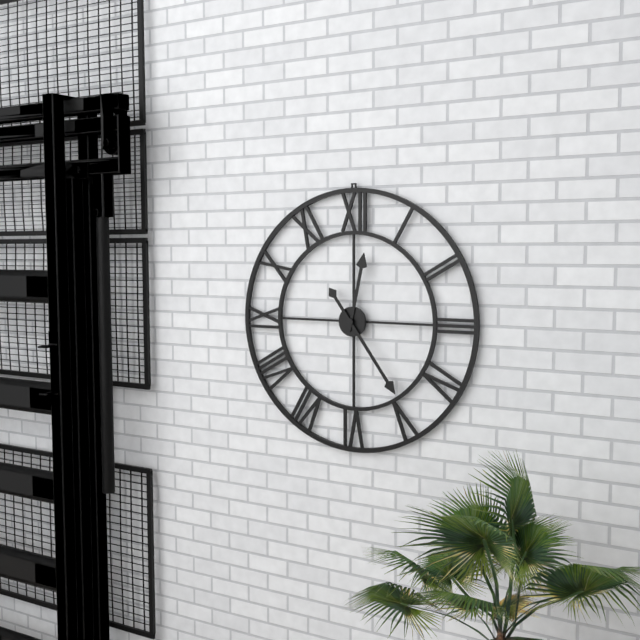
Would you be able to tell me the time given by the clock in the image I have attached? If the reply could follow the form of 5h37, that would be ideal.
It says 12h24
